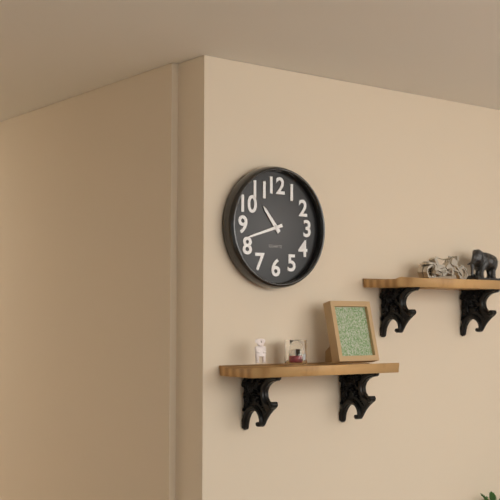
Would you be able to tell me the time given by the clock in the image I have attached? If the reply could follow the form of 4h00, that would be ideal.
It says 10h42
